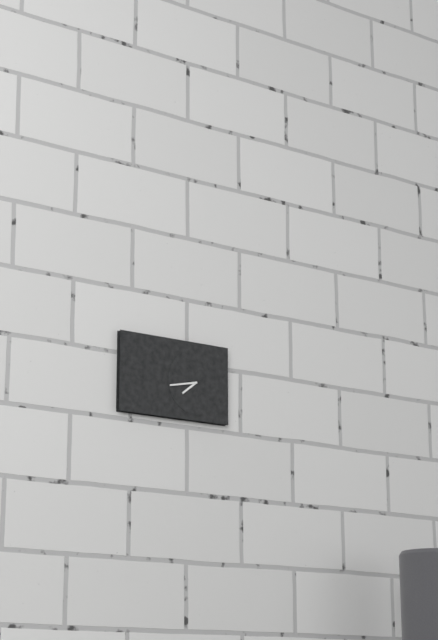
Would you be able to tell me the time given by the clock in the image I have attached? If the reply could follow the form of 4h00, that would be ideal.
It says 7h43
